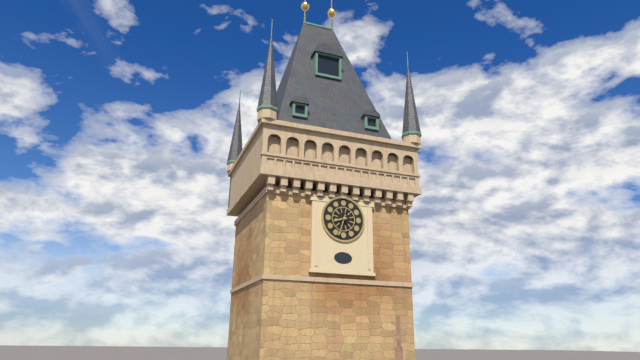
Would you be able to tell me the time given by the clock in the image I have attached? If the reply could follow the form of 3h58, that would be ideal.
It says 8h33
